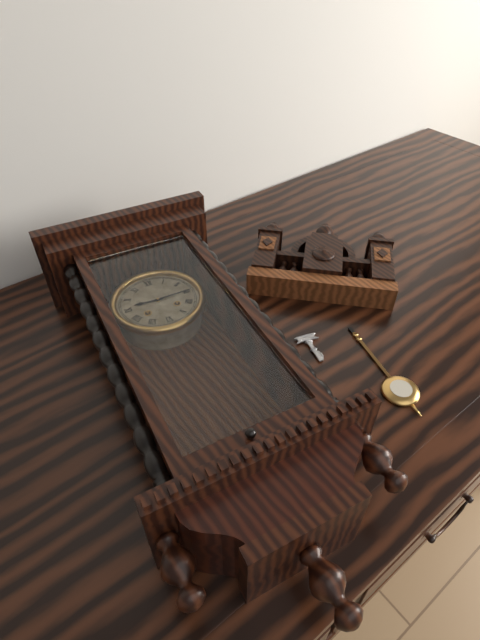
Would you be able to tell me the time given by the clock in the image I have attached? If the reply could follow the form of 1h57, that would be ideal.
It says 9h15
